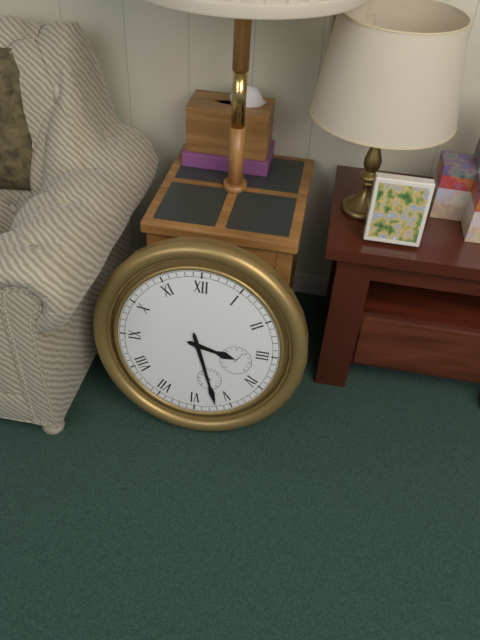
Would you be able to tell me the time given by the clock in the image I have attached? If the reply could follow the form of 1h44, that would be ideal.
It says 3h27
